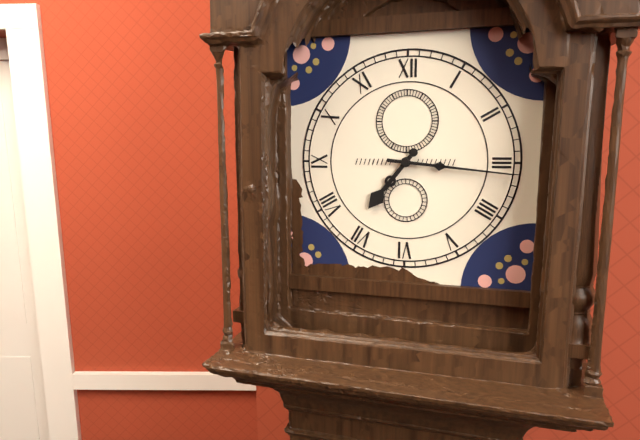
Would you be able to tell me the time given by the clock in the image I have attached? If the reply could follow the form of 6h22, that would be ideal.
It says 7h16
